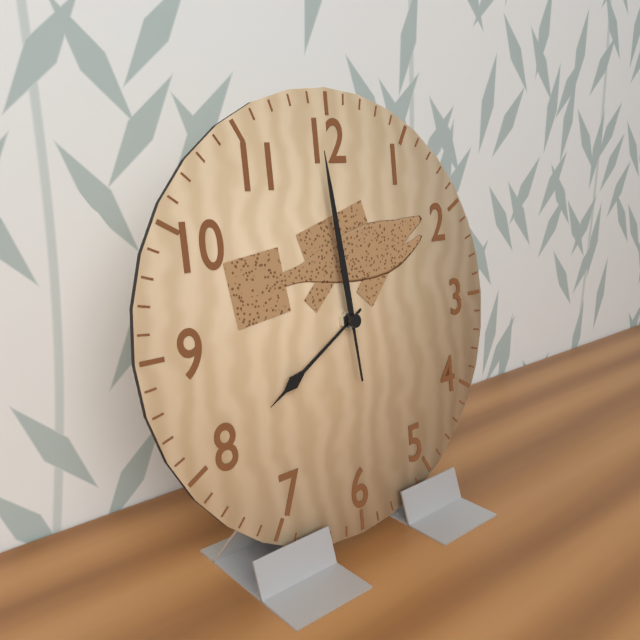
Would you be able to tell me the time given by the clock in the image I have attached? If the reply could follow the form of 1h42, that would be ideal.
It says 7h59
